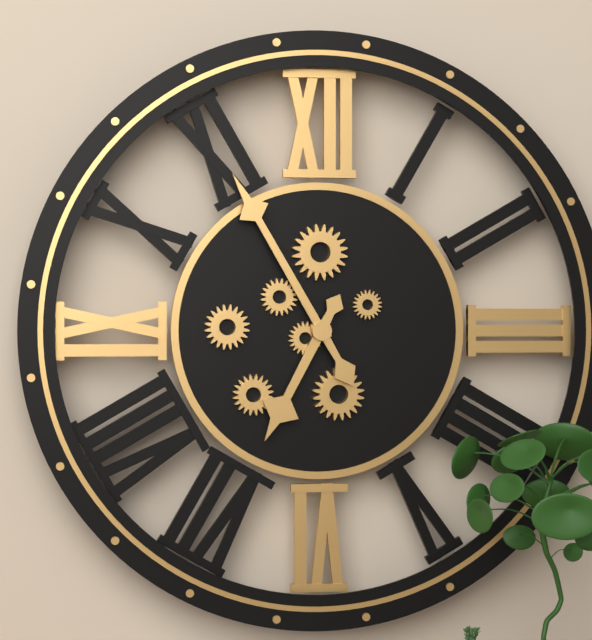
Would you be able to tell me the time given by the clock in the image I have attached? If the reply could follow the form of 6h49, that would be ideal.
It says 6h55
